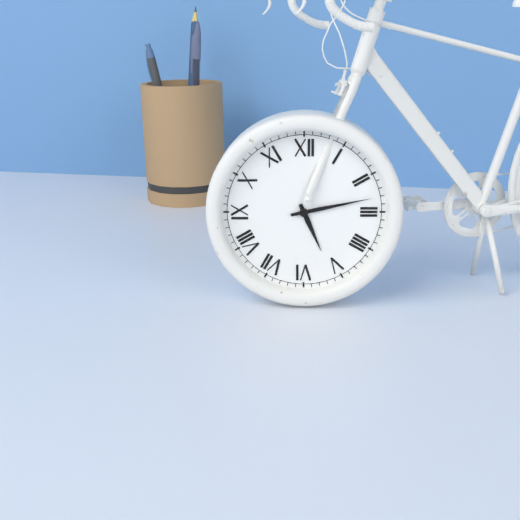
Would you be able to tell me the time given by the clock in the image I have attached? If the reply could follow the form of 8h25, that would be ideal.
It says 5h13
